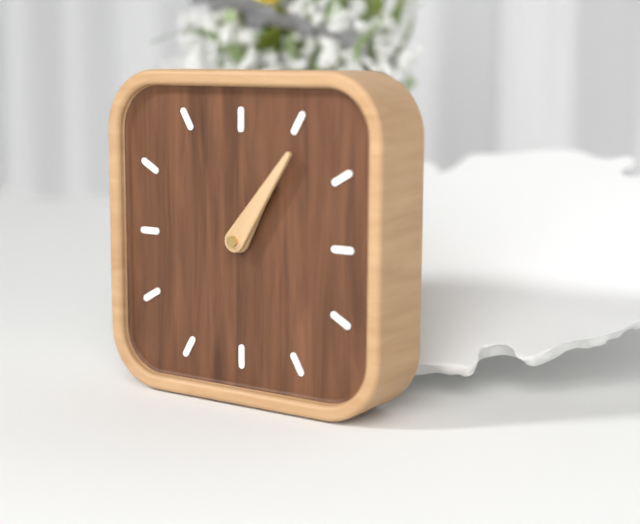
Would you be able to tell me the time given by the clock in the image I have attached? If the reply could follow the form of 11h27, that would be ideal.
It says 1h06
